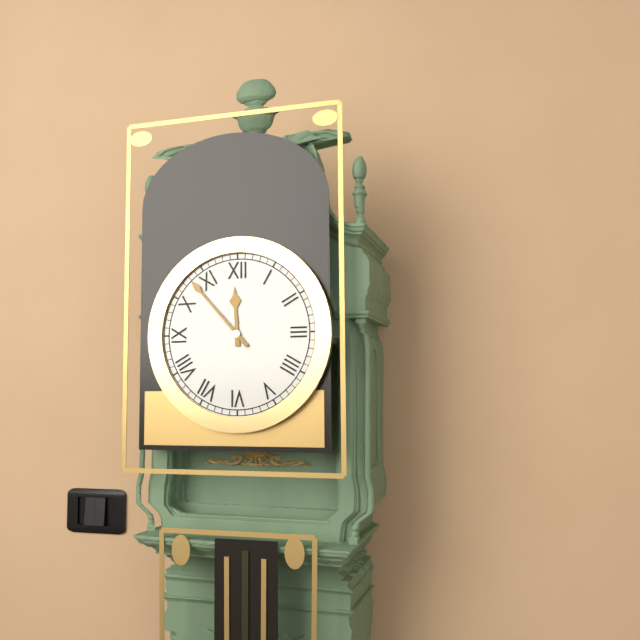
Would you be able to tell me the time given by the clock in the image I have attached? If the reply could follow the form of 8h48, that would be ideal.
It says 11h53
